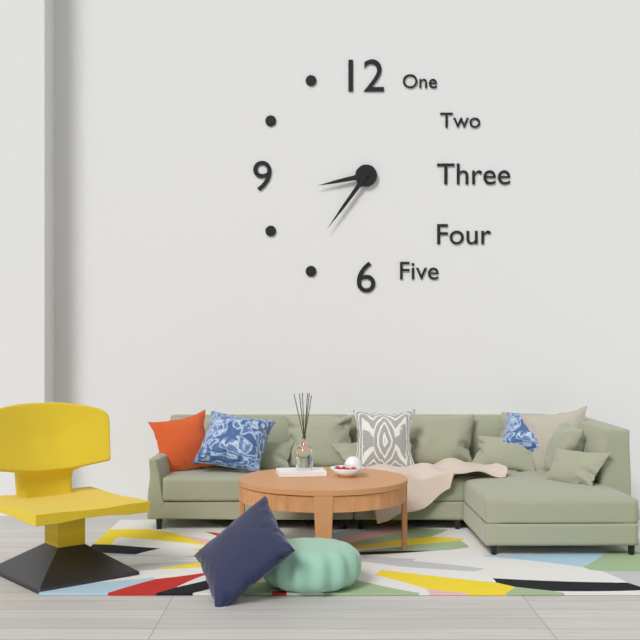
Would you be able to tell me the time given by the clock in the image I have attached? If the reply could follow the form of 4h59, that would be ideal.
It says 8h36
